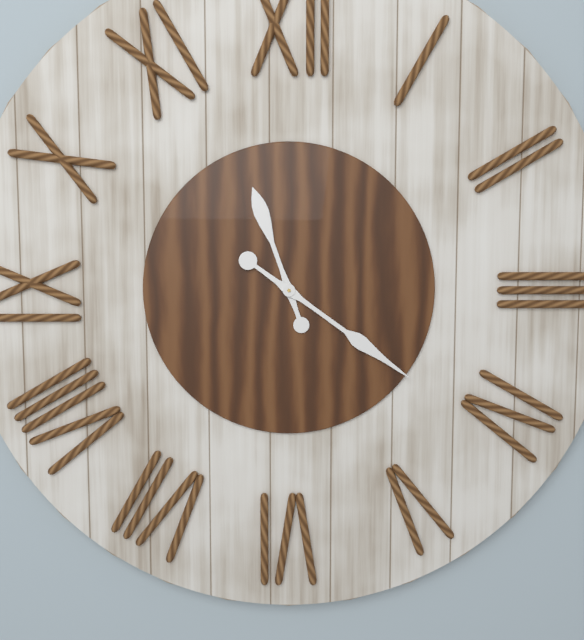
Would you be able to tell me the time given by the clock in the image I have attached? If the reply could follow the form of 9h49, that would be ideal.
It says 11h21
